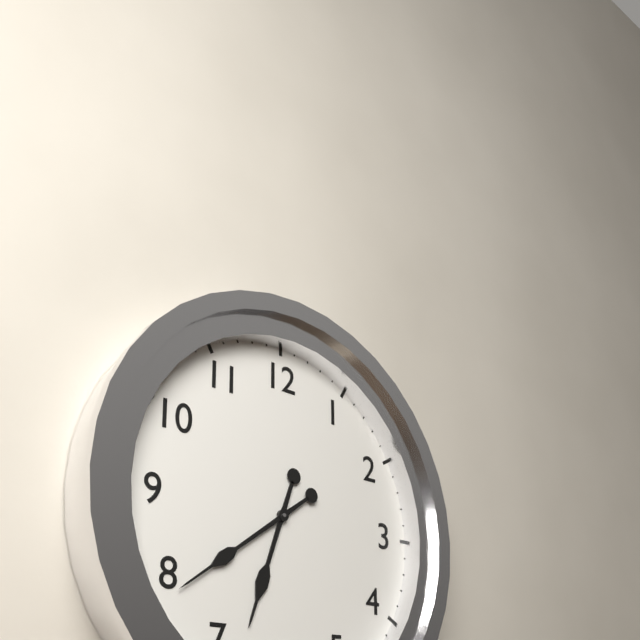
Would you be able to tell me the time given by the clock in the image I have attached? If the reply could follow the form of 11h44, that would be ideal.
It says 6h39
